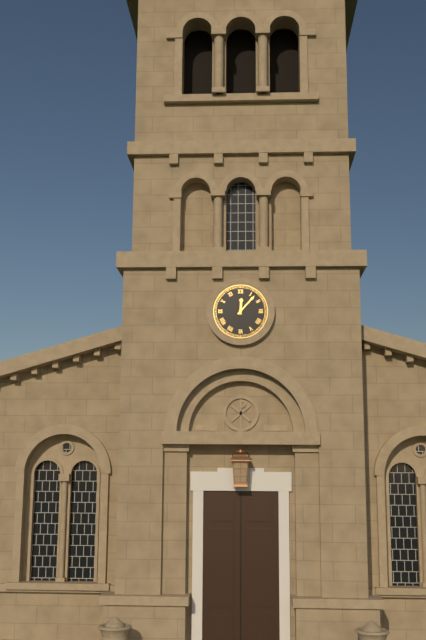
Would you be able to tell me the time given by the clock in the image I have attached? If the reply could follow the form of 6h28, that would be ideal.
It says 12h07
